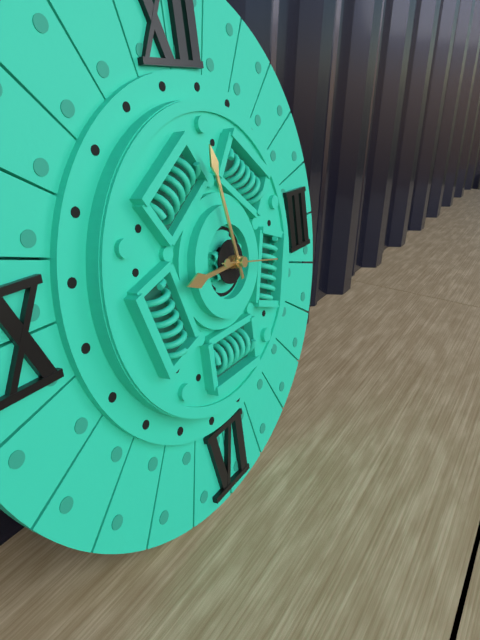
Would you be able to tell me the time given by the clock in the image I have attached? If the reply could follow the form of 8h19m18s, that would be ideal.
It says 8h58m17s
